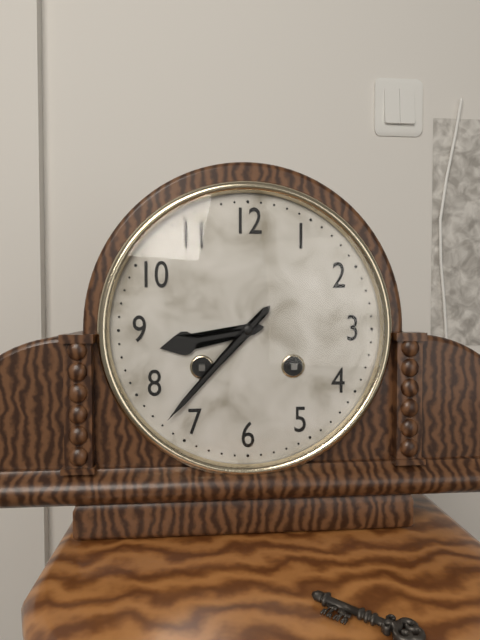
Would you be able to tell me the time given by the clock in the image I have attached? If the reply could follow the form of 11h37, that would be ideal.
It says 8h37
